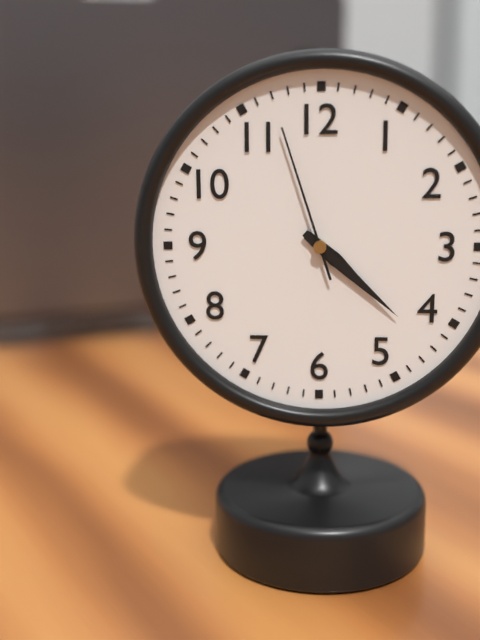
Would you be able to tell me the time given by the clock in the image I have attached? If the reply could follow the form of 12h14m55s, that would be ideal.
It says 4h22m57s
